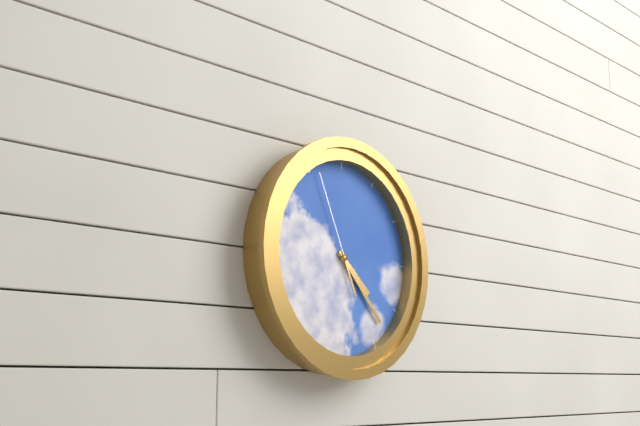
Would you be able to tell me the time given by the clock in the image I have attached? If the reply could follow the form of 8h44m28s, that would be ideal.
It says 4h23m56s
